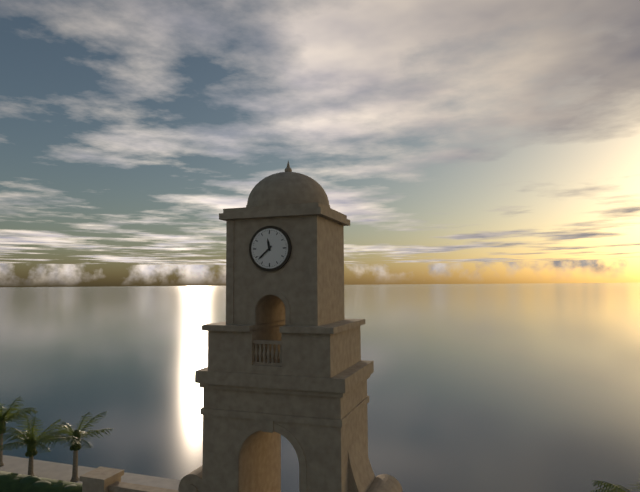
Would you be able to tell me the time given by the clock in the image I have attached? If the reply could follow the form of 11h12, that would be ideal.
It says 11h38
